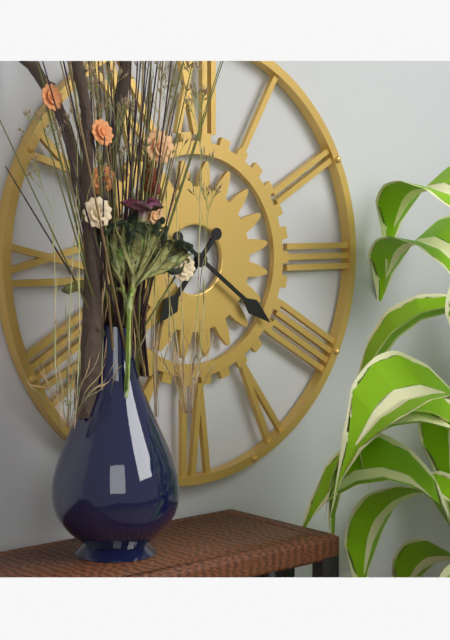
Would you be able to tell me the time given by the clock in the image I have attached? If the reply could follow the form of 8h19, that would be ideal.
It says 7h21
